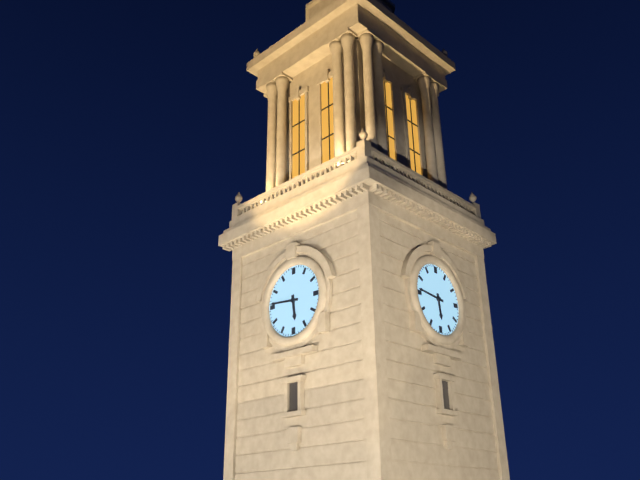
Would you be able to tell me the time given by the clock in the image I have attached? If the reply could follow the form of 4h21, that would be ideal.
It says 5h46
